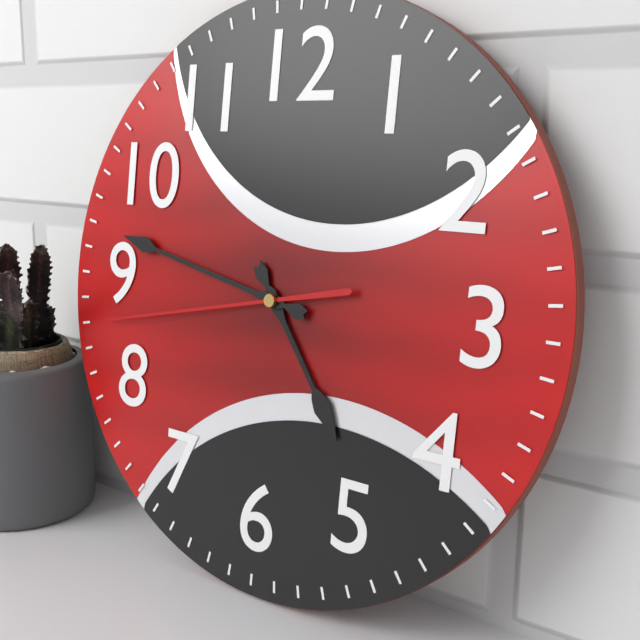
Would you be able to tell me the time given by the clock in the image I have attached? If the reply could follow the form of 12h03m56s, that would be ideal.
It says 4h47m43s
